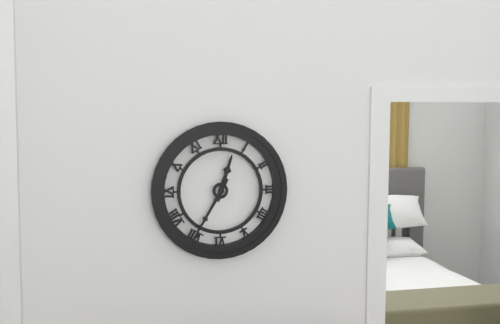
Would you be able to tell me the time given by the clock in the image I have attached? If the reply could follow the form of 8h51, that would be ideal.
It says 12h35
